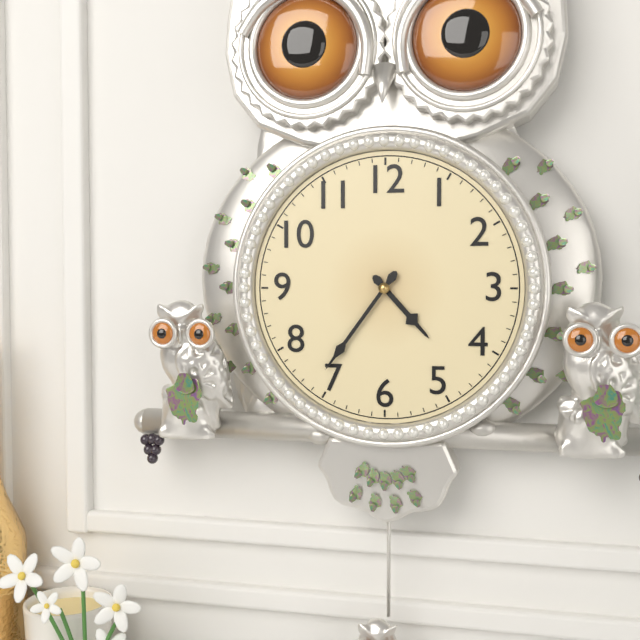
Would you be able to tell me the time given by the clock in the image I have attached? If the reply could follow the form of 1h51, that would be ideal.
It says 4h36
